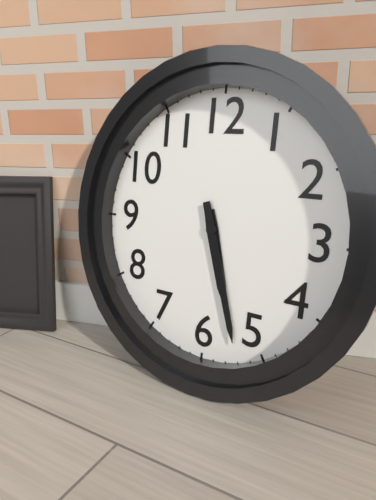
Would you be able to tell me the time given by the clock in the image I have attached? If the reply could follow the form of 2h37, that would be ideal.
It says 5h27
